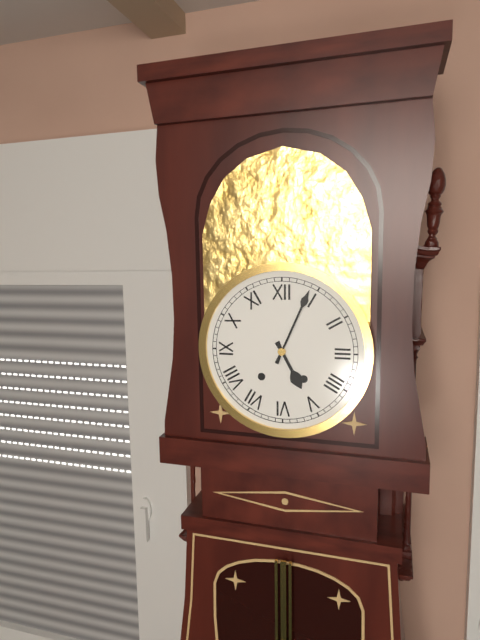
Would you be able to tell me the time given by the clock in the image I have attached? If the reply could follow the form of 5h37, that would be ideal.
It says 5h04
